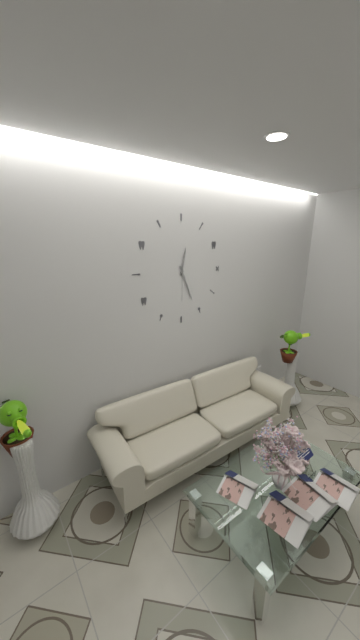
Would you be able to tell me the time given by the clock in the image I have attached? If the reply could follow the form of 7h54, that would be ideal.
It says 12h26
